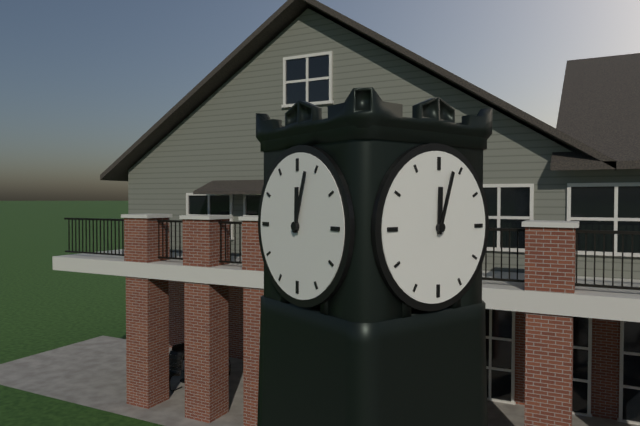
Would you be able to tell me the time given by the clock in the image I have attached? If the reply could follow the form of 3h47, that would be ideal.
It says 12h03
